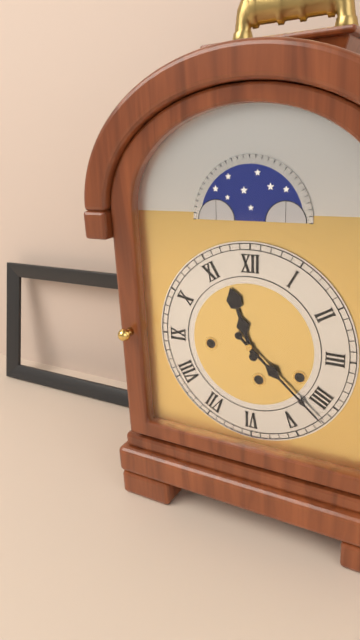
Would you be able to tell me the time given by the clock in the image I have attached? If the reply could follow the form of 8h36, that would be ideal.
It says 11h22
